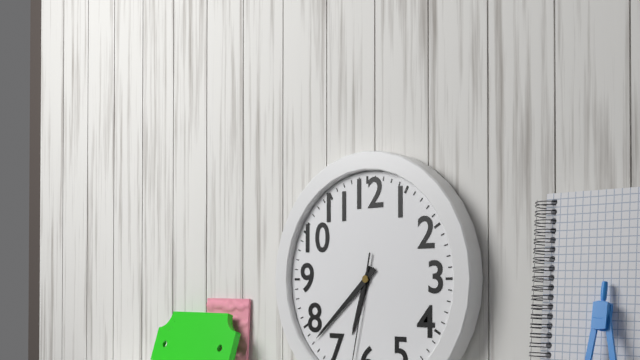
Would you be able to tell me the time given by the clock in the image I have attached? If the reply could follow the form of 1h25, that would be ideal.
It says 6h38
